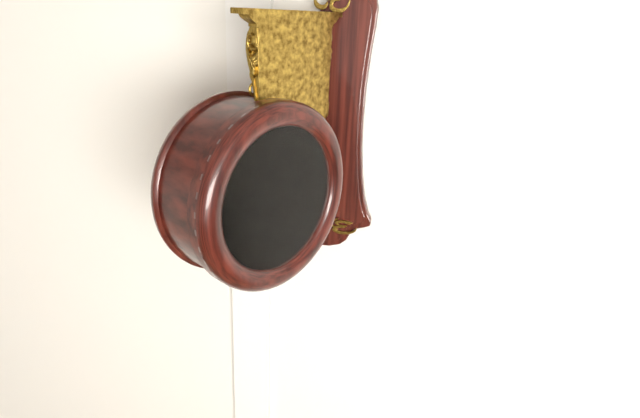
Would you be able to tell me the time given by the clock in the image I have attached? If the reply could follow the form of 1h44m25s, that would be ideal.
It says 12h26m26s
